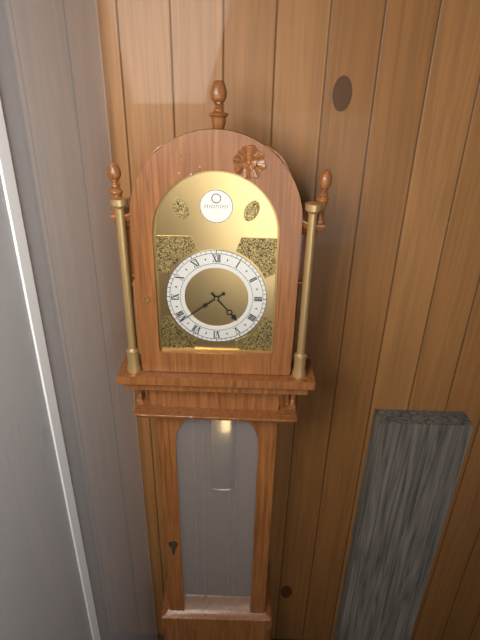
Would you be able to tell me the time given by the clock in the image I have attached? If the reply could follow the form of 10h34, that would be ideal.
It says 4h39
